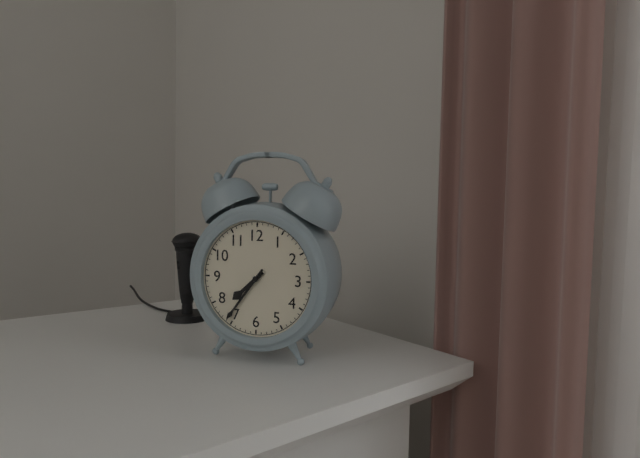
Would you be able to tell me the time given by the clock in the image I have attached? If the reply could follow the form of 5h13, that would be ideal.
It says 7h36
